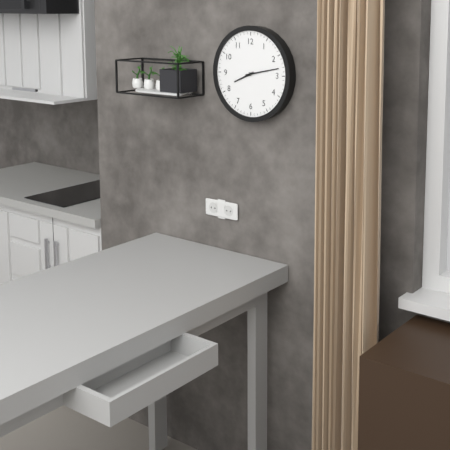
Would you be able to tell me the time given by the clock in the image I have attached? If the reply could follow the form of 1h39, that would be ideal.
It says 8h13
